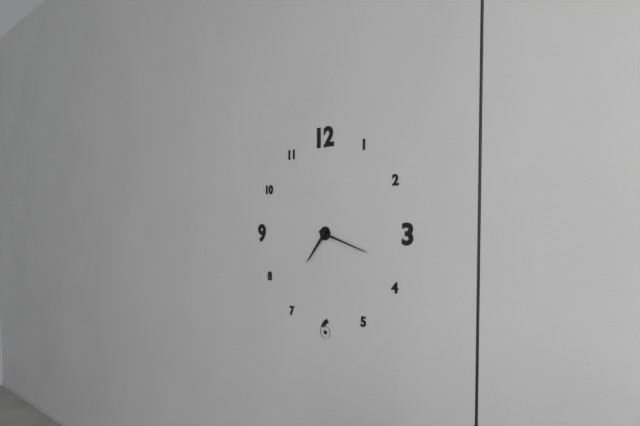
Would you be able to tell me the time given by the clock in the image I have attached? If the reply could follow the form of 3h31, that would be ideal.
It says 7h18
